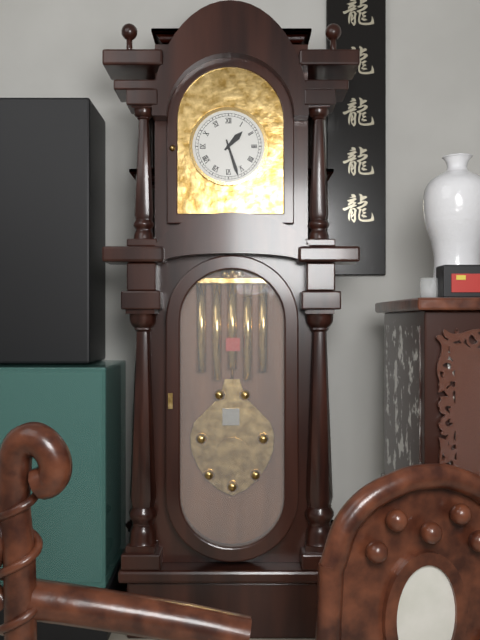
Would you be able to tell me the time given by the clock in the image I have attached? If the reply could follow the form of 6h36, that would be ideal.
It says 1h27
